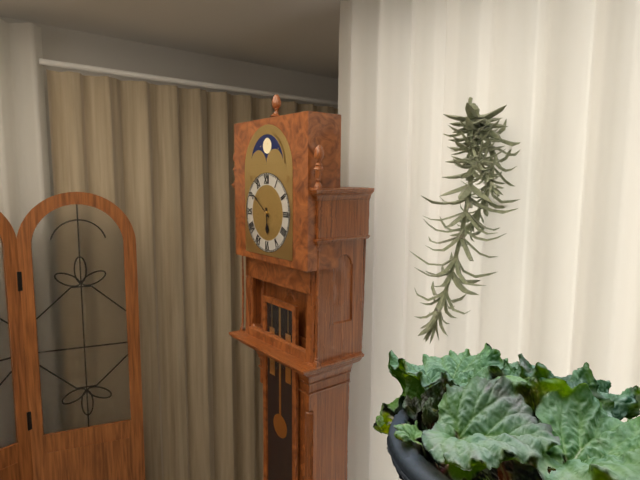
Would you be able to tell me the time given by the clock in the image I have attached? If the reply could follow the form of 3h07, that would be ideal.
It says 5h51
